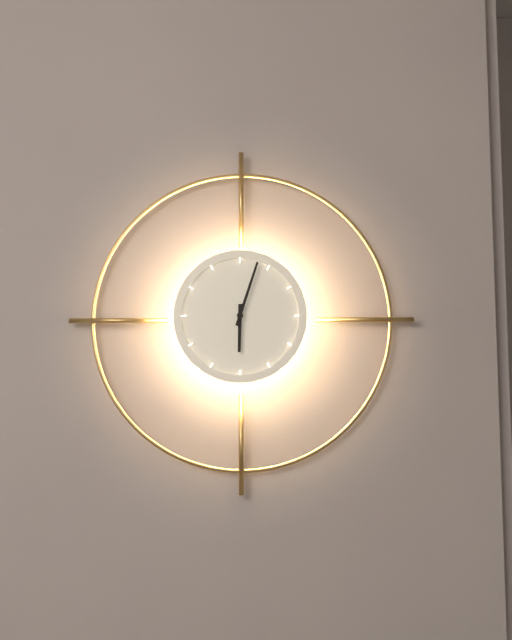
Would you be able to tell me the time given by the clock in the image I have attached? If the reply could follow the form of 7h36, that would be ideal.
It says 6h03
